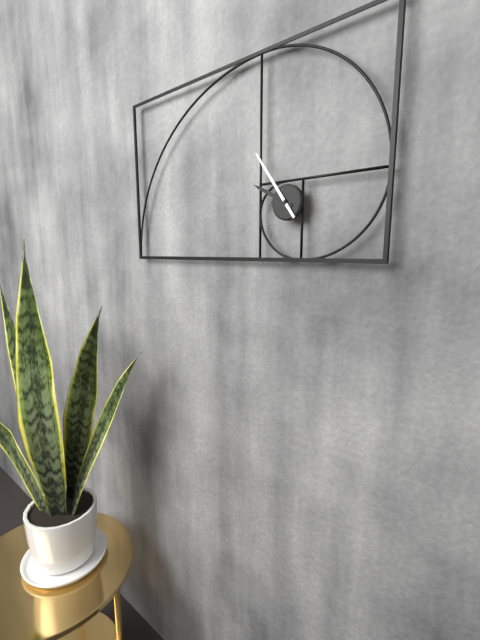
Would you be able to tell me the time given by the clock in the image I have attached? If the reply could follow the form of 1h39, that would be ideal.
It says 9h54
